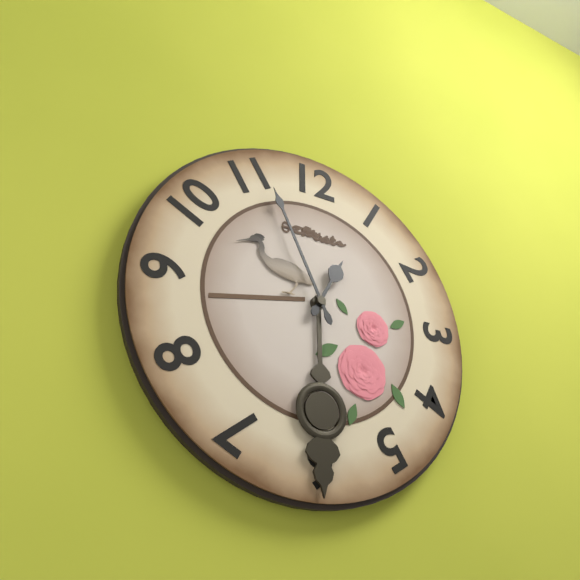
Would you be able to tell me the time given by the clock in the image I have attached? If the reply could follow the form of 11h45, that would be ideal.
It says 12h56
